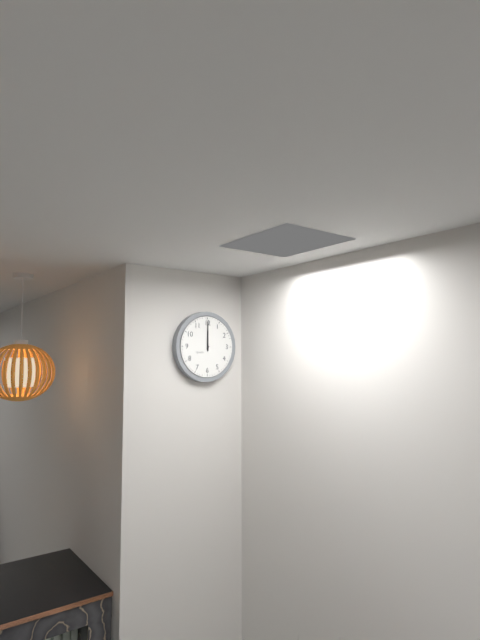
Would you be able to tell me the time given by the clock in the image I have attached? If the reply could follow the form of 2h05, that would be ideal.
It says 12h00
